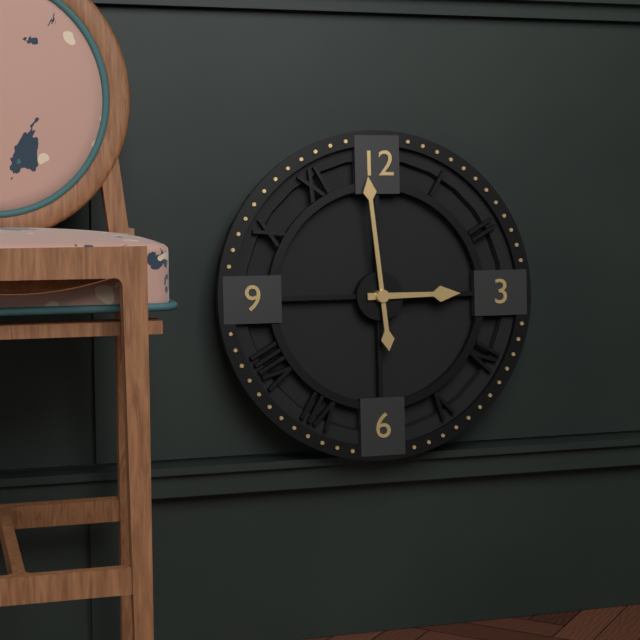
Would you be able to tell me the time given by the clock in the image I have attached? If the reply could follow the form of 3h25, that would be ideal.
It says 2h59
